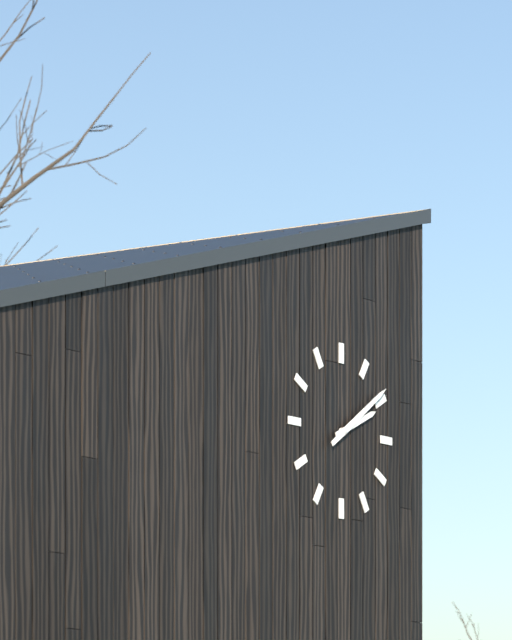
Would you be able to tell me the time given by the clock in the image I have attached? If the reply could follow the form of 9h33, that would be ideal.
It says 2h09
